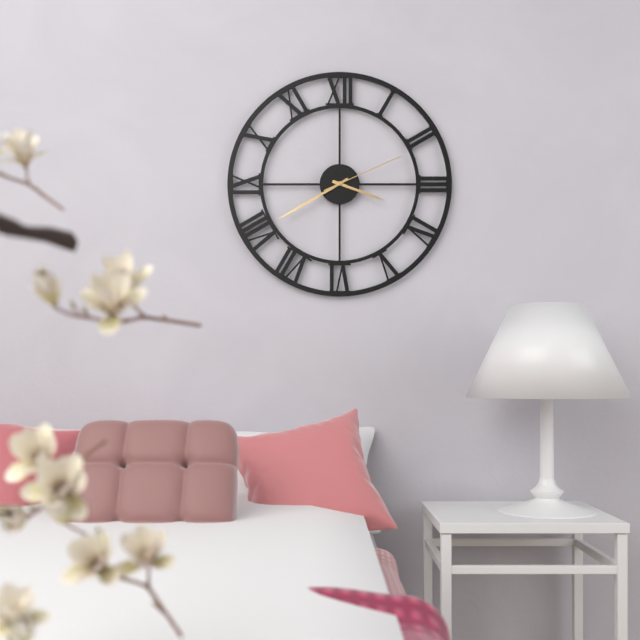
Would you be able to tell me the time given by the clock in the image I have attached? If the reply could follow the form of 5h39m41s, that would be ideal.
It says 3h40m11s
